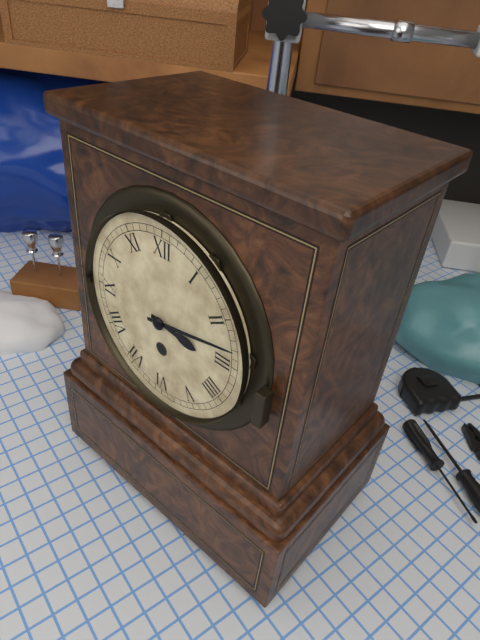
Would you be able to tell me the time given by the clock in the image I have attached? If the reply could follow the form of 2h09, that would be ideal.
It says 3h13
